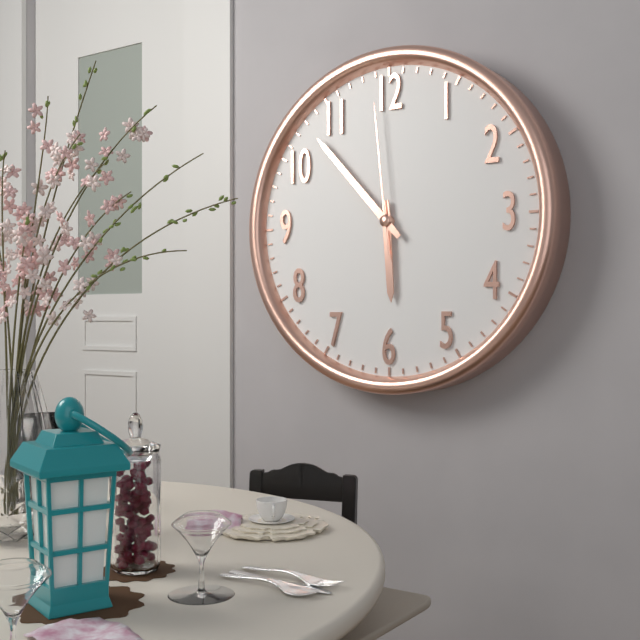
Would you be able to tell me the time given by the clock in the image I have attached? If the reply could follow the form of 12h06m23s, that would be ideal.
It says 5h53m59s
